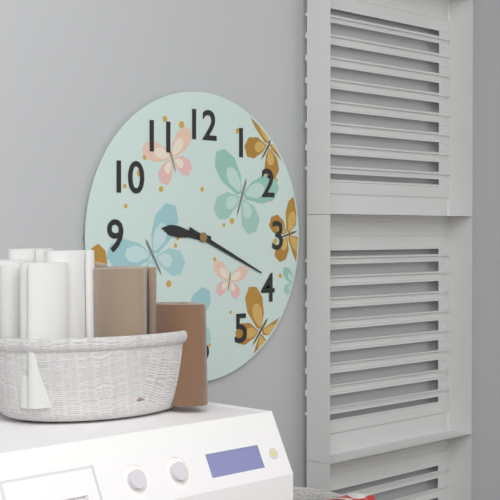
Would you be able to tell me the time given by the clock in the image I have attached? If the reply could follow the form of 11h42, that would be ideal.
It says 9h19
